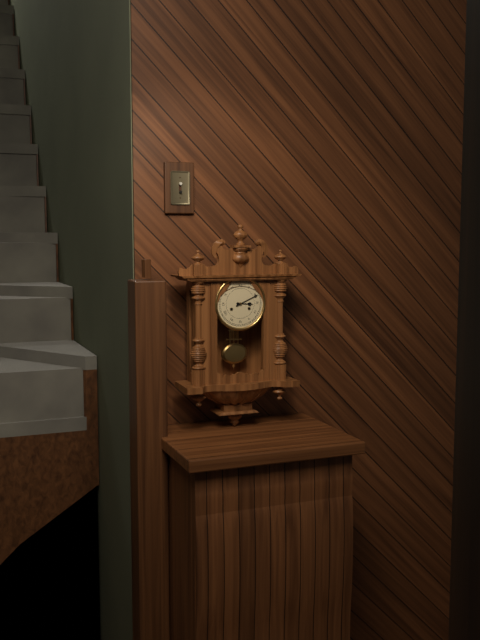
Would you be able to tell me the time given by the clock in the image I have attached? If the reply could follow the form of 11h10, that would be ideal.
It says 3h11
